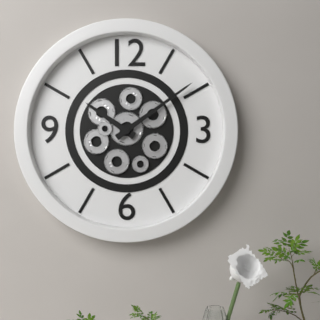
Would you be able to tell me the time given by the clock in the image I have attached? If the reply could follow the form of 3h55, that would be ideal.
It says 10h09
